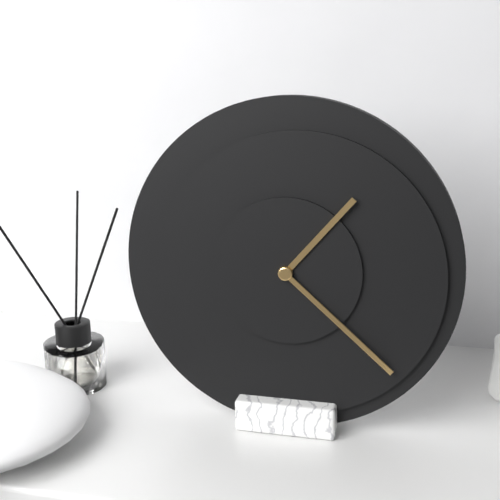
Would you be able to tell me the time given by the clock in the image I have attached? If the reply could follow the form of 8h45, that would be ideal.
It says 1h22
